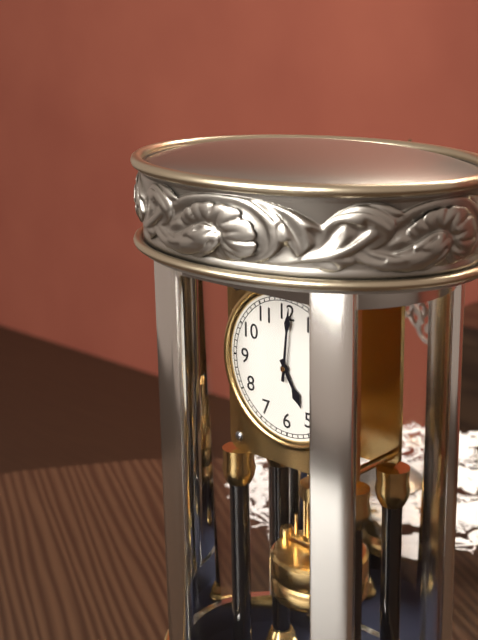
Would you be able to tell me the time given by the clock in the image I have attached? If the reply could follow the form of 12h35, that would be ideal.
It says 5h01
